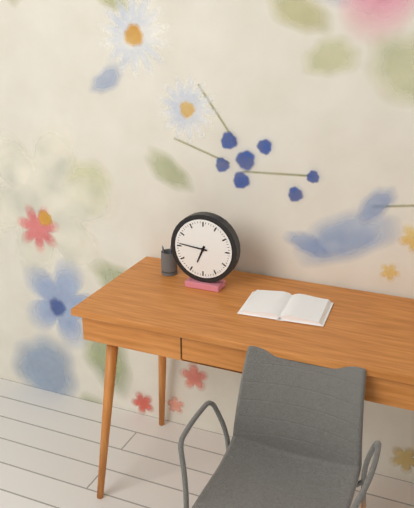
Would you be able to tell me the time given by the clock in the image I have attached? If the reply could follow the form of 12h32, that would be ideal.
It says 6h46
